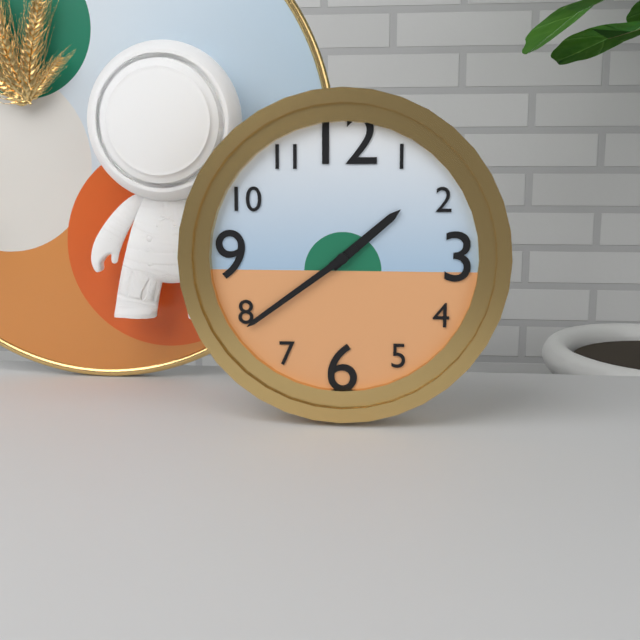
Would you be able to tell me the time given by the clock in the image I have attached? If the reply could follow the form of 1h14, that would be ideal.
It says 1h39
